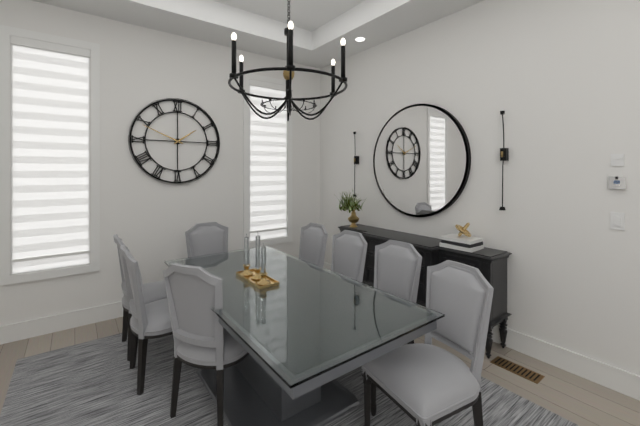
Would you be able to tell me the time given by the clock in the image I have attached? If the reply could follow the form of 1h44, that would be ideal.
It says 1h49
